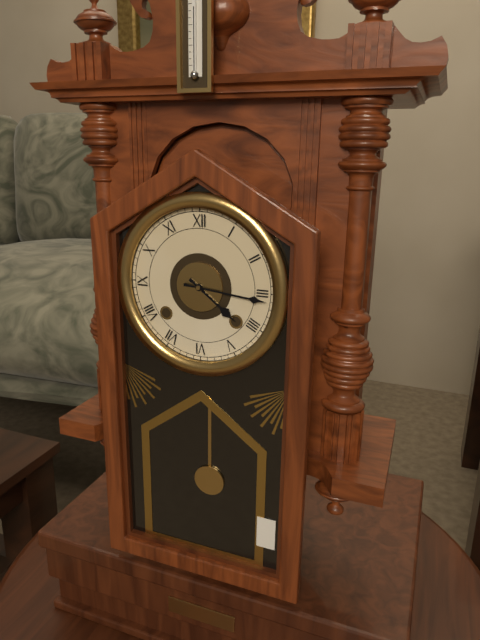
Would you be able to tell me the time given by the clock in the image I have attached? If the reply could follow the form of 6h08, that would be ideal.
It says 4h16
